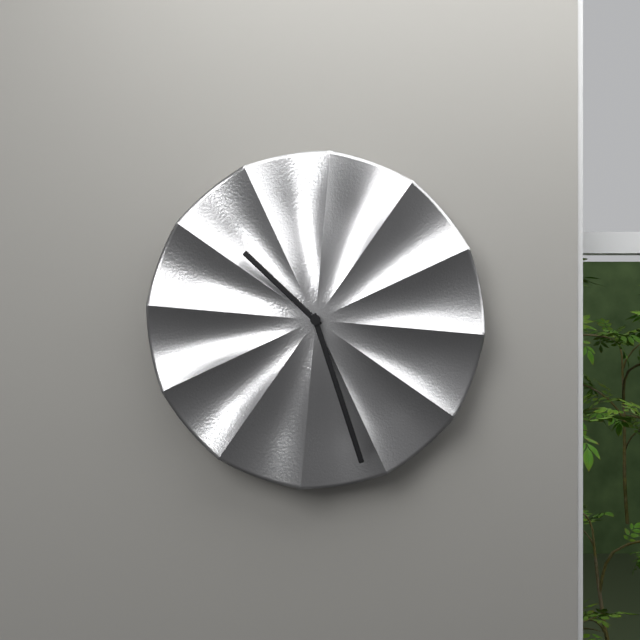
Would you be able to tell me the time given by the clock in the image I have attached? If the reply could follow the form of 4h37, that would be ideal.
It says 10h27
